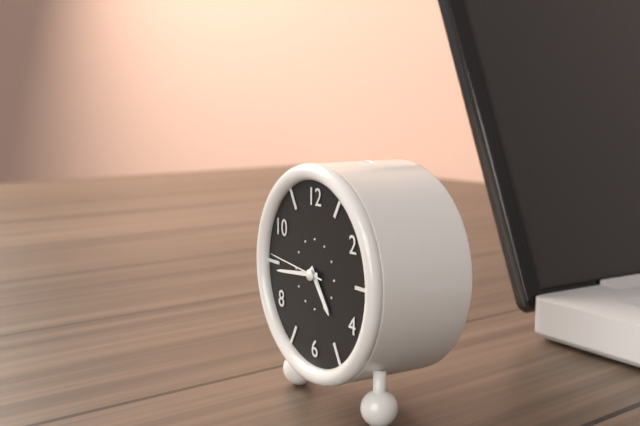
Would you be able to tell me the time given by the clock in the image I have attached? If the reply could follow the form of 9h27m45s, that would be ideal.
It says 4h44m46s
